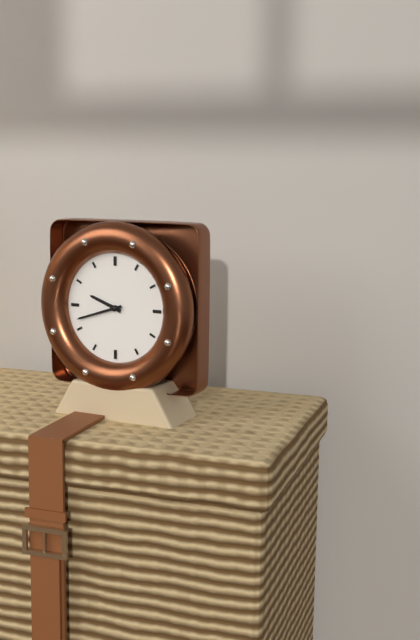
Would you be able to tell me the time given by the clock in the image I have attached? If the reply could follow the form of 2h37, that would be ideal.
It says 9h42
